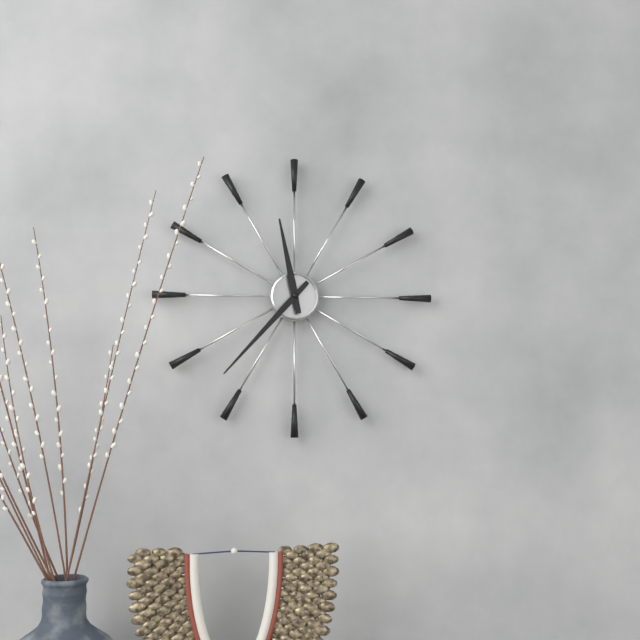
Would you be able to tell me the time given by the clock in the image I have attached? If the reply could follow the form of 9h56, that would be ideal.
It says 11h37
